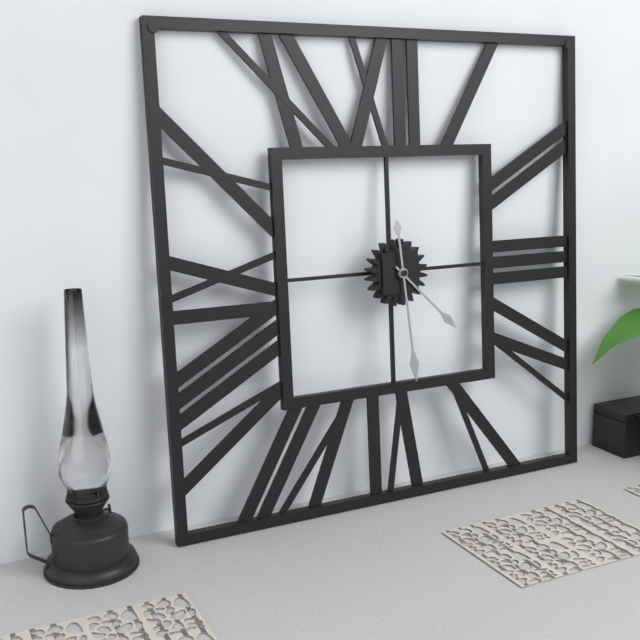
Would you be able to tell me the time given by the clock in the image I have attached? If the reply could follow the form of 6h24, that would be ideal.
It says 4h29
